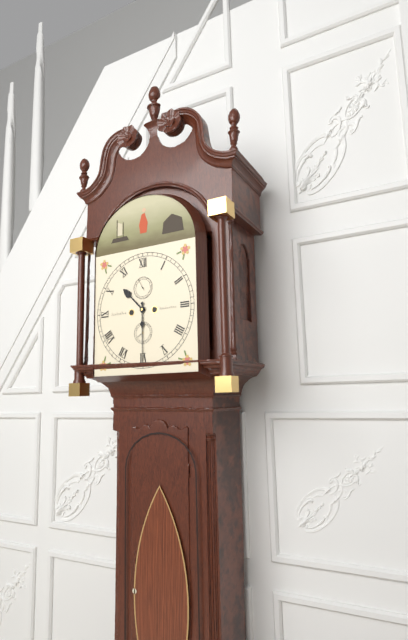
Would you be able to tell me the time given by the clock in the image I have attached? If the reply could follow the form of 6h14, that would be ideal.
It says 10h30
